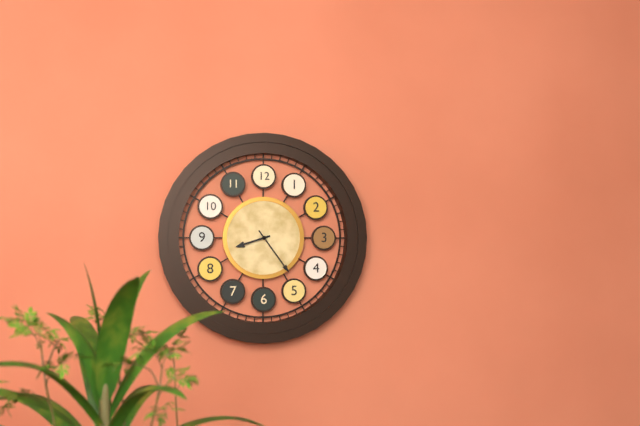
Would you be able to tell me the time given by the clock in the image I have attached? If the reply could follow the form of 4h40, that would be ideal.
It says 8h24
